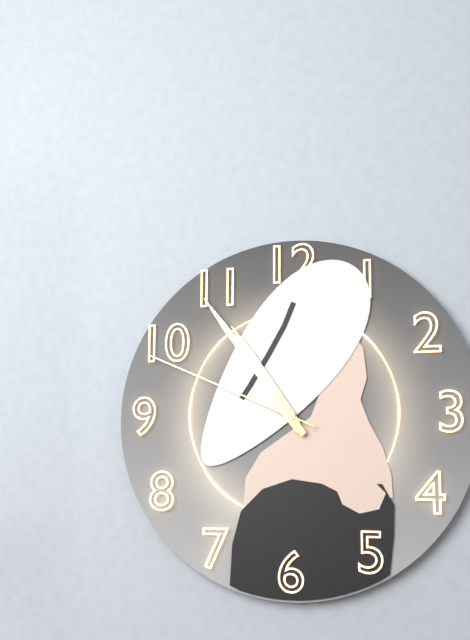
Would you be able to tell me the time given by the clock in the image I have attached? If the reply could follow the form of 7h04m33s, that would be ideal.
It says 10h54m49s
